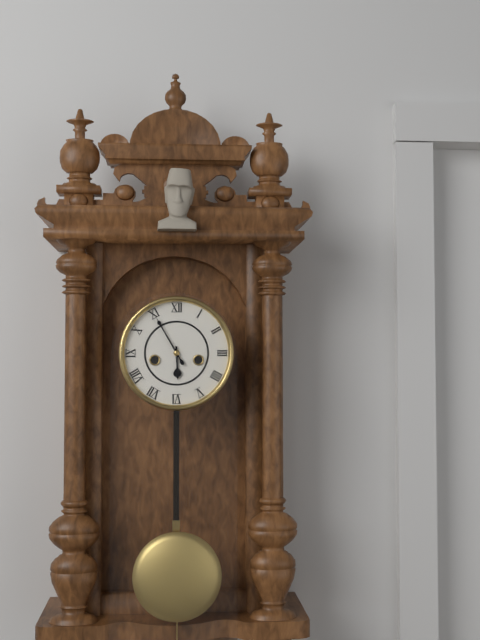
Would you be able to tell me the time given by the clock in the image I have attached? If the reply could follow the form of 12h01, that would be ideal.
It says 5h55
